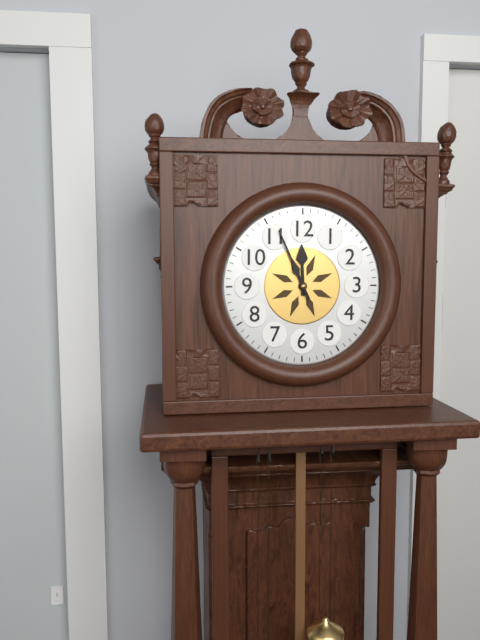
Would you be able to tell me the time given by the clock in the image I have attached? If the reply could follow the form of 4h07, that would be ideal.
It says 11h56
